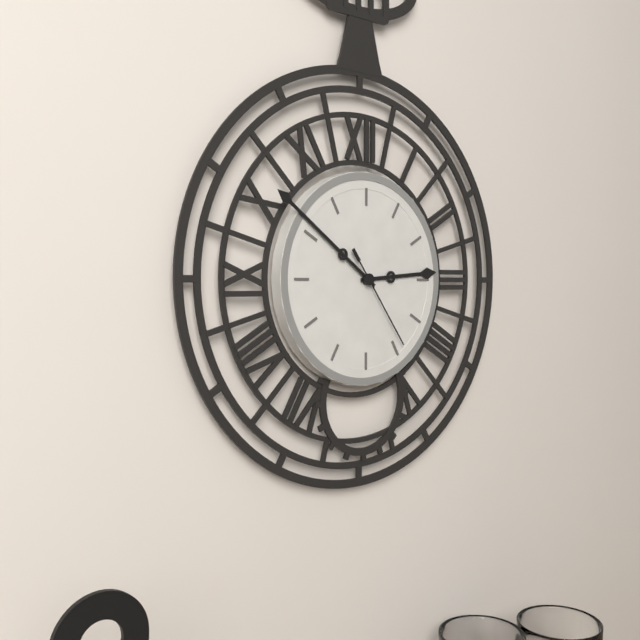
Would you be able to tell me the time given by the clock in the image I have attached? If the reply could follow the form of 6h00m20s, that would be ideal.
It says 2h51m24s
